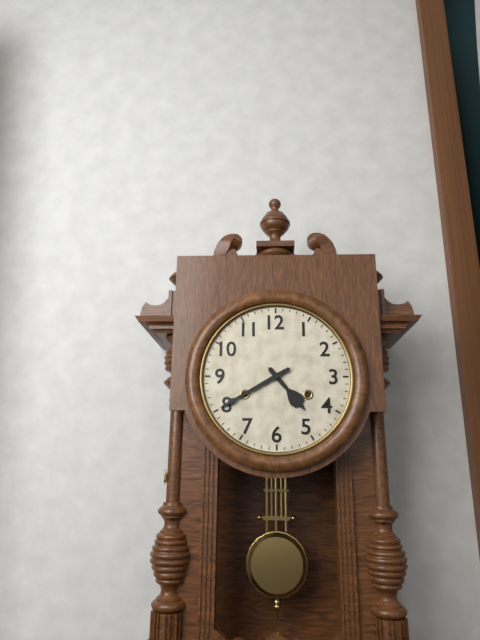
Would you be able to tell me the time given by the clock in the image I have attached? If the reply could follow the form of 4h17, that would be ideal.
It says 4h40
